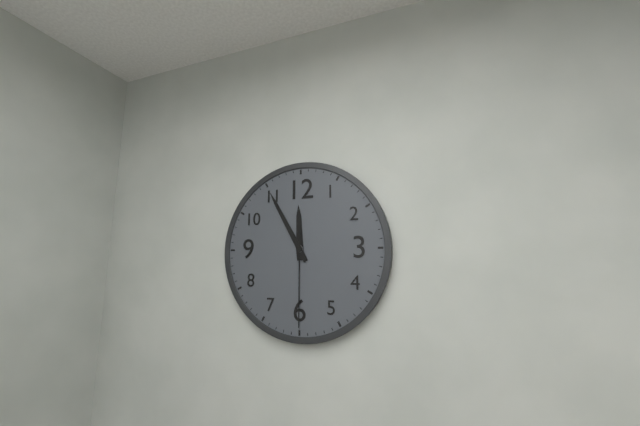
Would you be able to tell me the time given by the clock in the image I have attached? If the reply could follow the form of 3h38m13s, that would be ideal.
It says 11h55m30s
